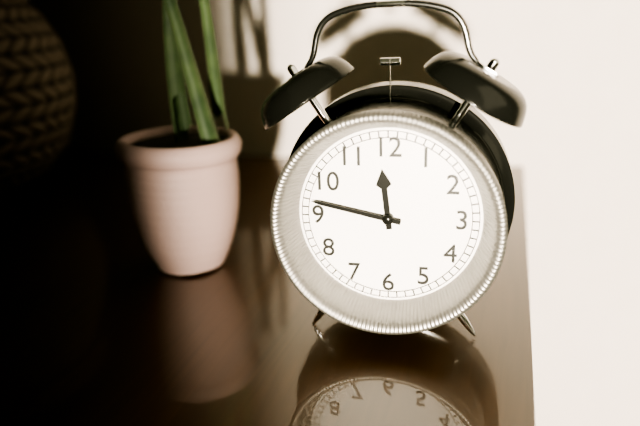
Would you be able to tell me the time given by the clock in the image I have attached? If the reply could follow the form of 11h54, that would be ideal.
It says 11h47
